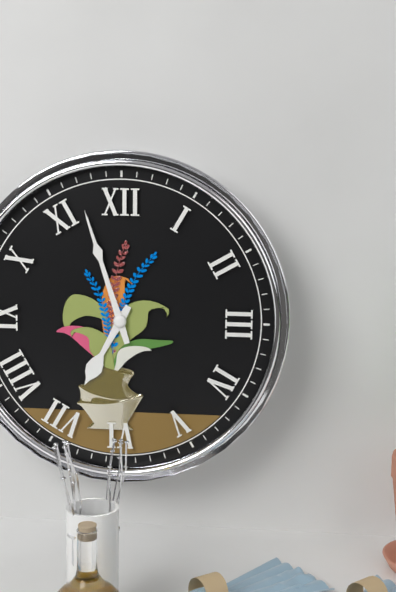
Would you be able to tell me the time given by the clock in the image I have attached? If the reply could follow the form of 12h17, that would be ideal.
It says 6h57
